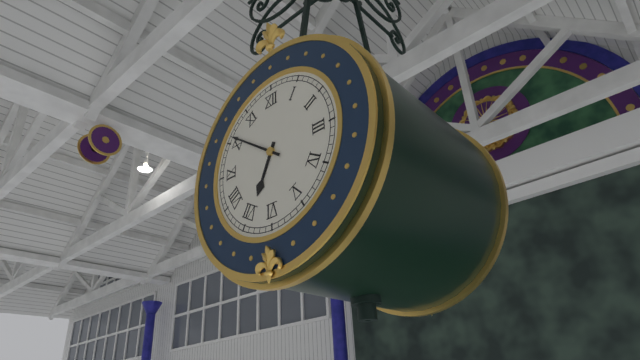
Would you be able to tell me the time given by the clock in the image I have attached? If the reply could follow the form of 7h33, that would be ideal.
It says 6h51
